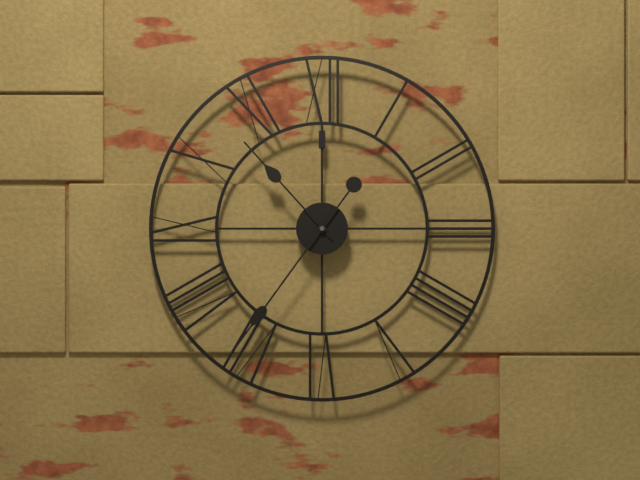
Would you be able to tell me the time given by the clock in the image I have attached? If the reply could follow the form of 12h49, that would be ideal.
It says 10h36
